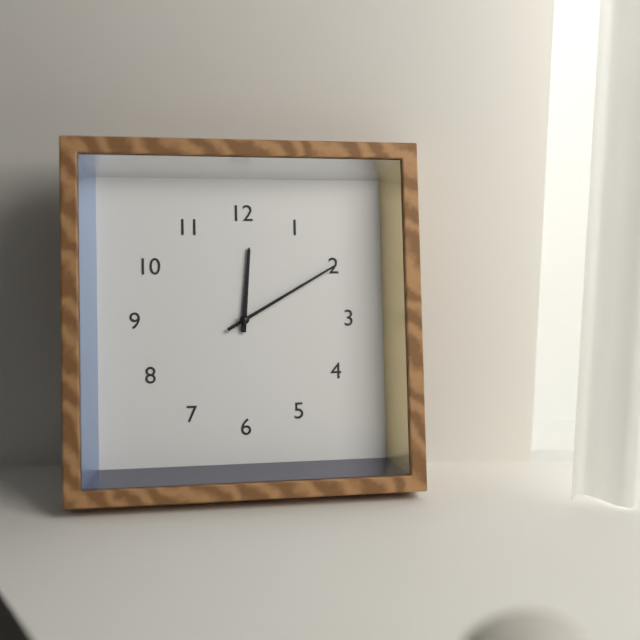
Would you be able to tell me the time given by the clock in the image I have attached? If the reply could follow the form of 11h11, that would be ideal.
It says 12h10
